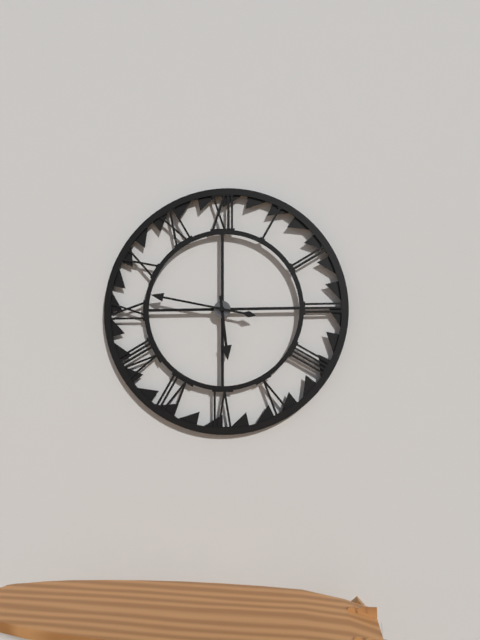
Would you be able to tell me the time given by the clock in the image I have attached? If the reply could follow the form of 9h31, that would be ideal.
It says 5h47
